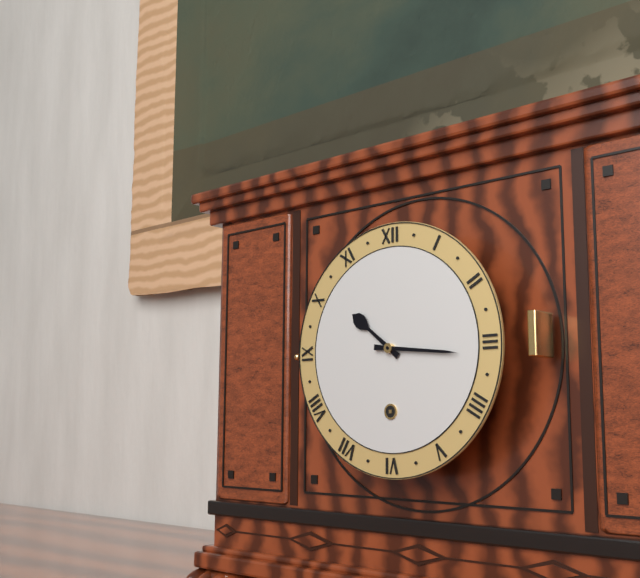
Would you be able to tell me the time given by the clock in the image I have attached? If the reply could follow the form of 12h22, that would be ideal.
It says 10h16
